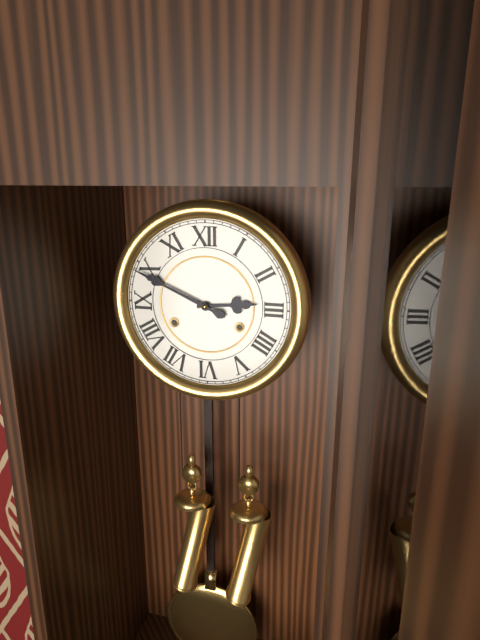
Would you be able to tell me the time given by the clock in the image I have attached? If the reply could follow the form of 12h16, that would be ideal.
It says 2h49
